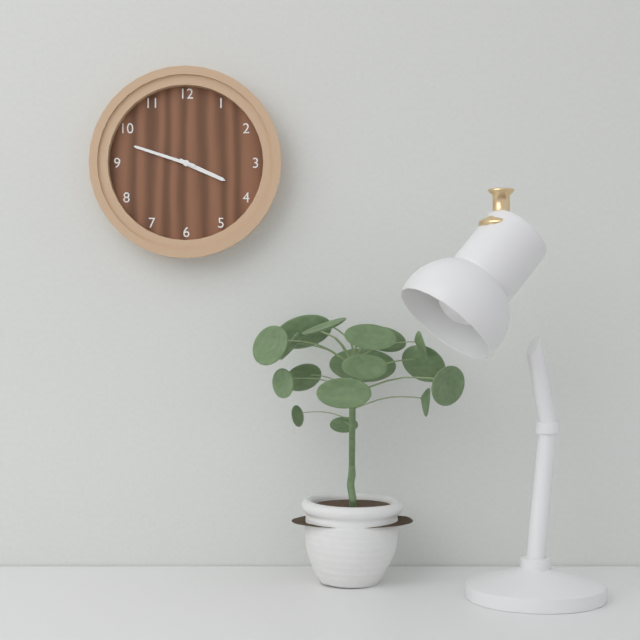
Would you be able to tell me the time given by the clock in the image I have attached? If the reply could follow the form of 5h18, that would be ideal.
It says 3h48
